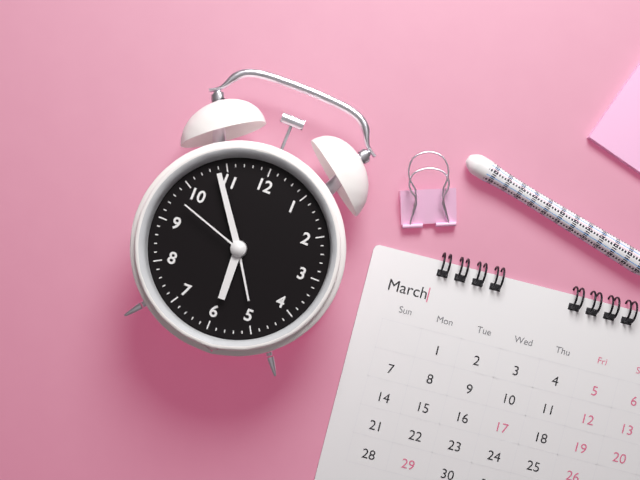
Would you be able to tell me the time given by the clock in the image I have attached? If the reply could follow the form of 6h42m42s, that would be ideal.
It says 5h54m48s
